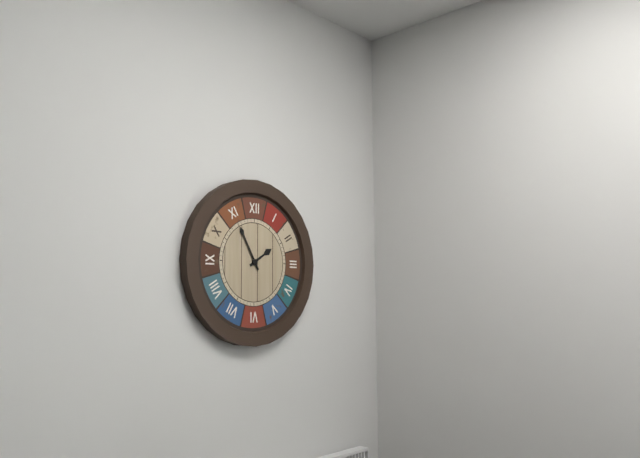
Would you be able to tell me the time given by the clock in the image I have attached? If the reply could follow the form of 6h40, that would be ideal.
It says 1h55
